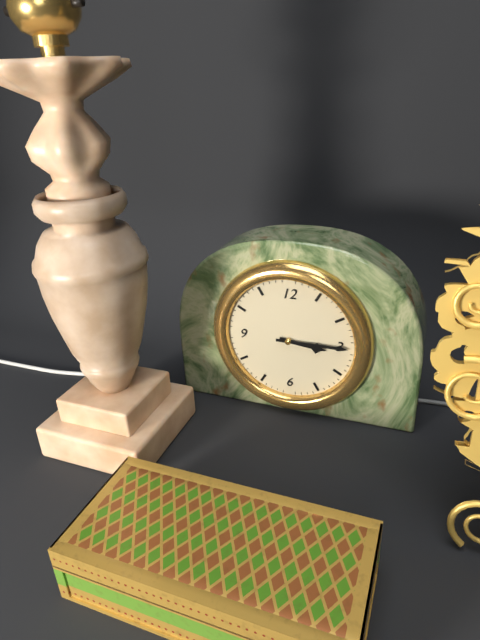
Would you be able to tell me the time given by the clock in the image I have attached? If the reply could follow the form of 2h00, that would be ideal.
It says 3h15
